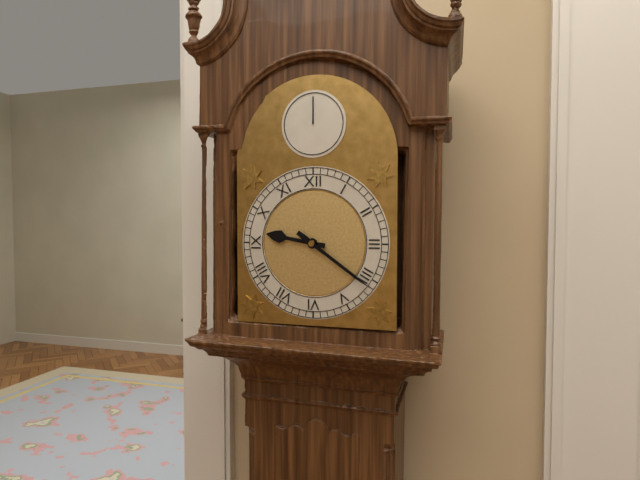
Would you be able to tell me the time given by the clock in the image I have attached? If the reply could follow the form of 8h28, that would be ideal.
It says 9h21
